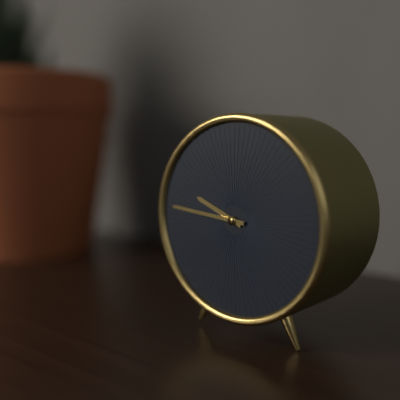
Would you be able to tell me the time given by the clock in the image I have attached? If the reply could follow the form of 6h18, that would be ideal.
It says 9h46
